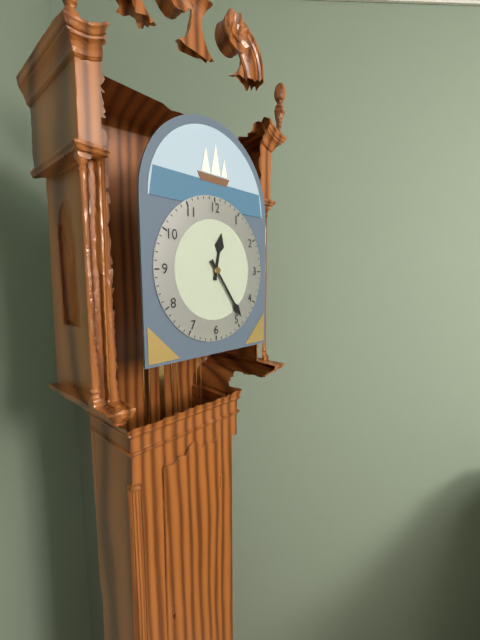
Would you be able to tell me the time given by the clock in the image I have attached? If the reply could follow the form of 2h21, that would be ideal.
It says 12h24
